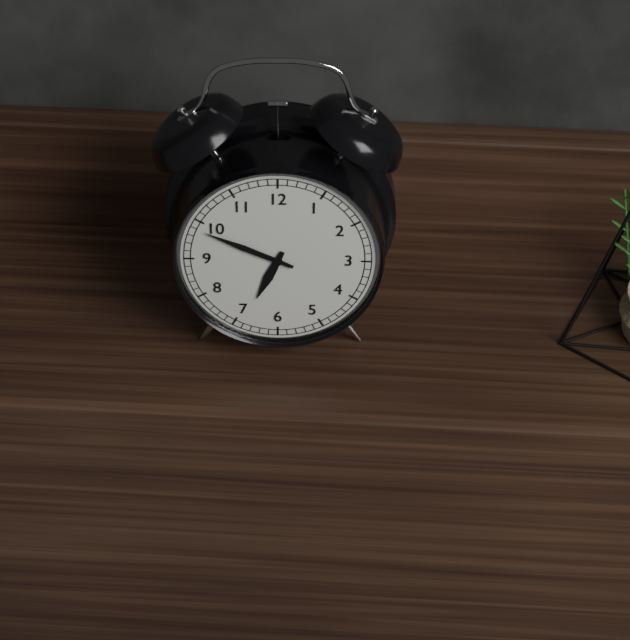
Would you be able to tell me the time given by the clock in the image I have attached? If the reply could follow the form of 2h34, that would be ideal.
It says 6h49
